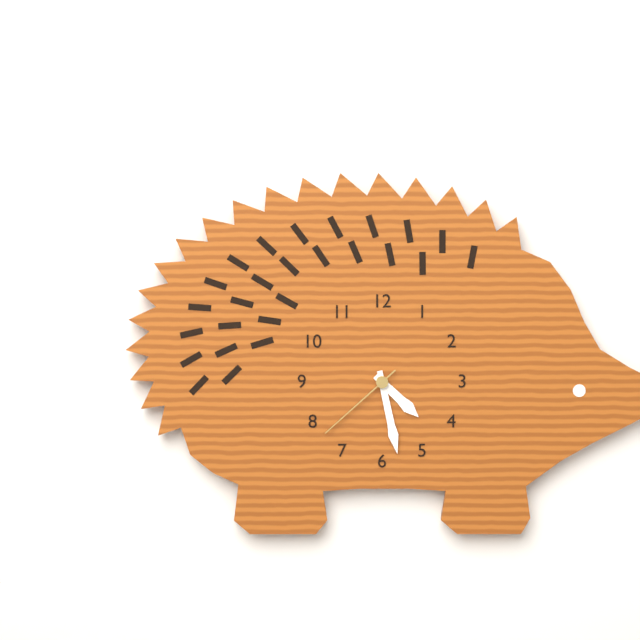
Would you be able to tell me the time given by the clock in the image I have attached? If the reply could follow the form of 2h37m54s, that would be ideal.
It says 4h28m38s
